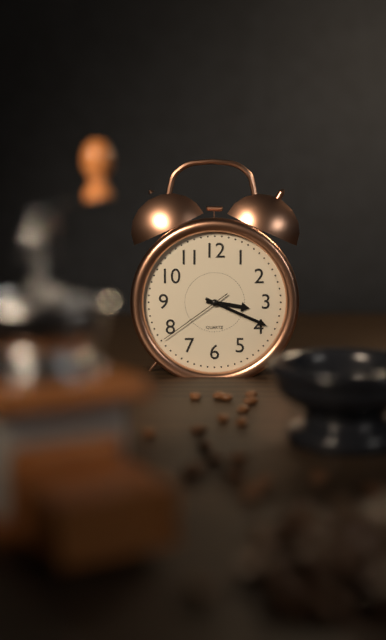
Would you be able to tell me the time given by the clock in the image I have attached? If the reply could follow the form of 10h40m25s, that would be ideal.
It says 3h19m39s
